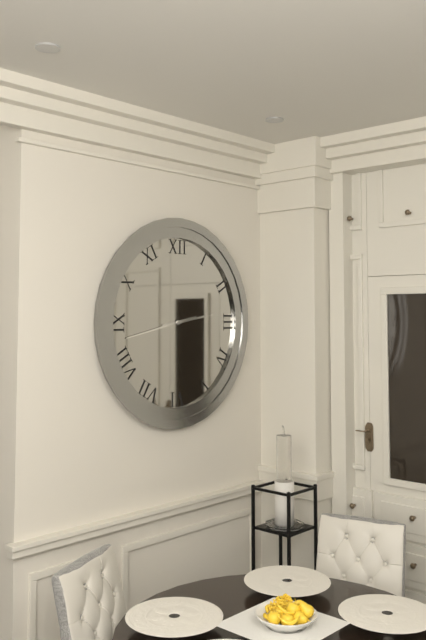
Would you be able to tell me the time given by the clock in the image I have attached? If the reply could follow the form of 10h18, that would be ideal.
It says 2h43
